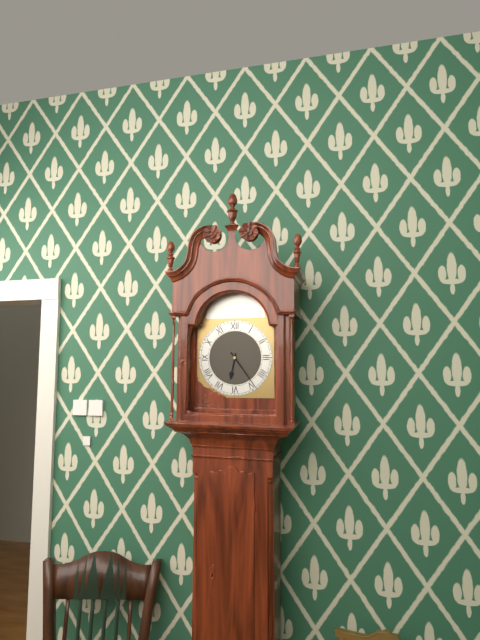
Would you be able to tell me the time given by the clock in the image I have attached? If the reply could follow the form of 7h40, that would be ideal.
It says 6h24
